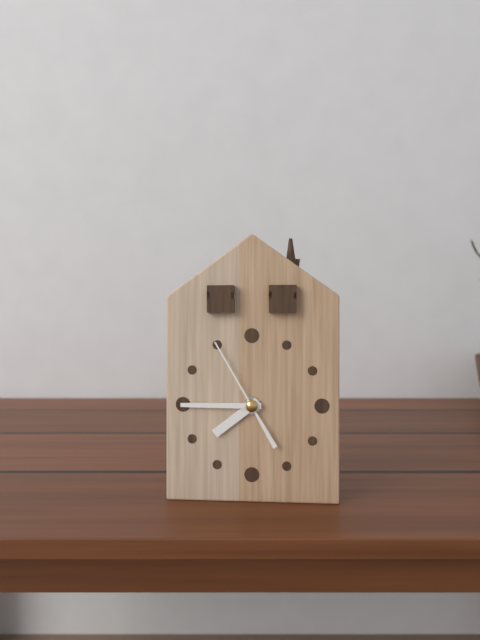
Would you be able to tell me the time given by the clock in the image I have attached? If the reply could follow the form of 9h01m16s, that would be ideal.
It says 7h45m55s
